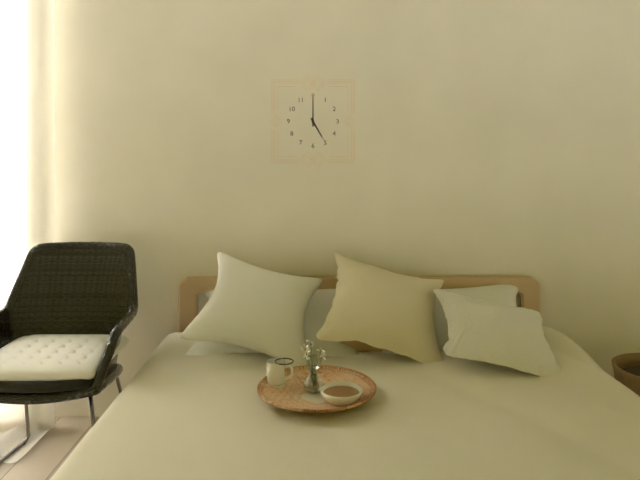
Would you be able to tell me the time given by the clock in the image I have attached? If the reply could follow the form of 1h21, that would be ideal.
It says 5h00
